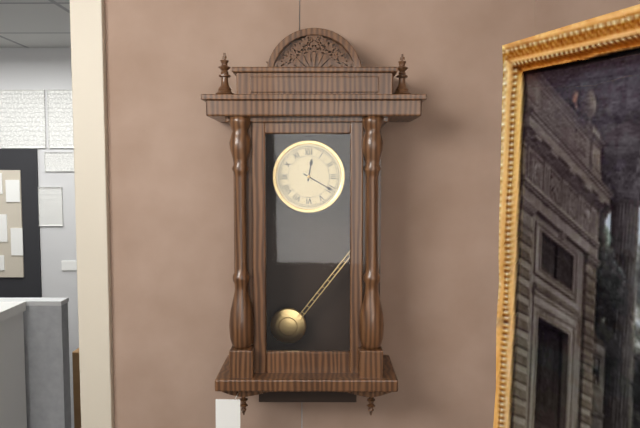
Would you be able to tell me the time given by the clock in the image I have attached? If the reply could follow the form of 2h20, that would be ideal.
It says 12h20
